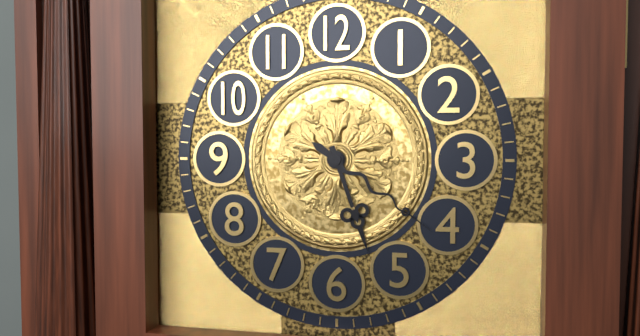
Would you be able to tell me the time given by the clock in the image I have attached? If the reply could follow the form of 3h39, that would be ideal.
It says 5h21
